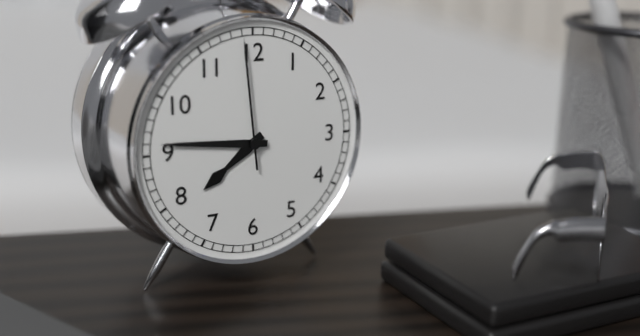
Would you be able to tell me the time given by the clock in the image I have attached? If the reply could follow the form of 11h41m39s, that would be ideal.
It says 7h46m59s
